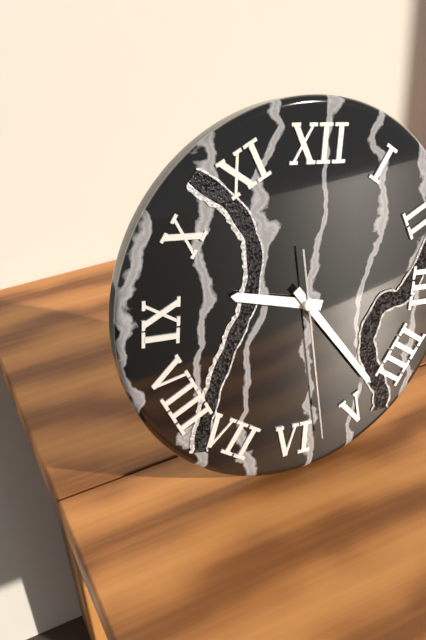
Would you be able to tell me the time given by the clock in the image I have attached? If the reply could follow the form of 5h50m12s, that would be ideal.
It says 9h23m28s
